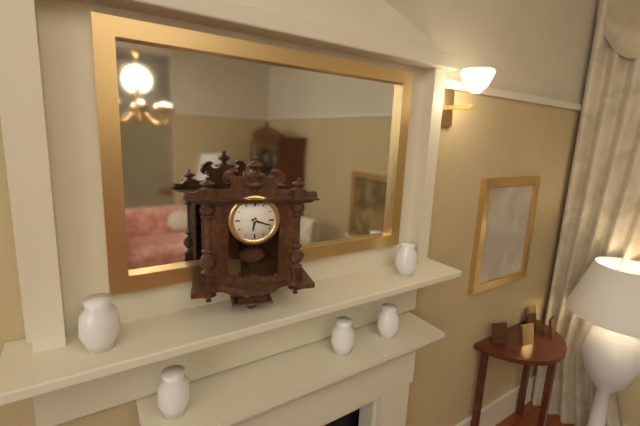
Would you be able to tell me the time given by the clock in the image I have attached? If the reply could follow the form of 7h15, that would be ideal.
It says 6h18
